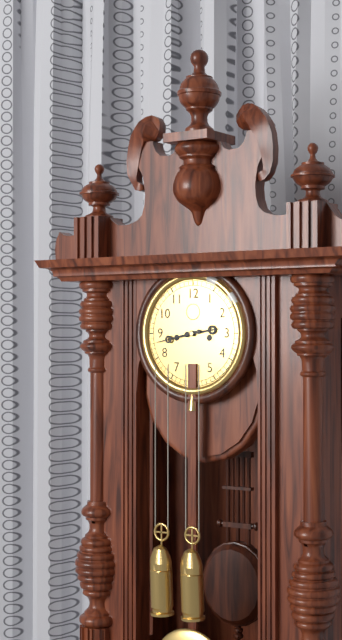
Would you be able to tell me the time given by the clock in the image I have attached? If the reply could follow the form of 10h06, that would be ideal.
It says 2h43
